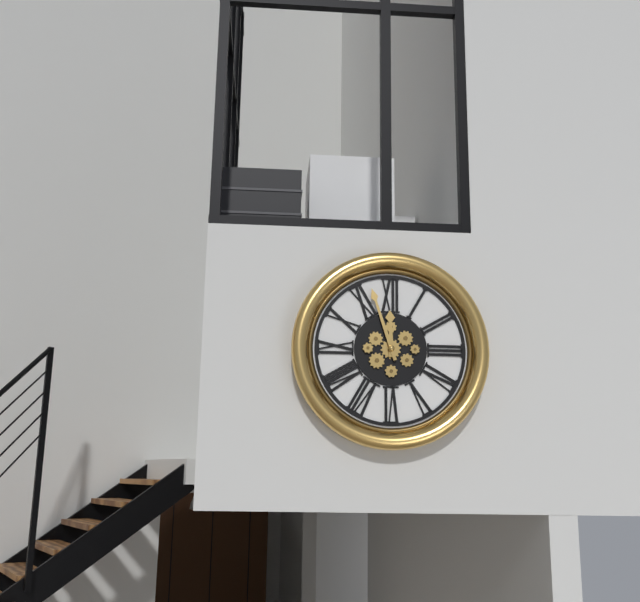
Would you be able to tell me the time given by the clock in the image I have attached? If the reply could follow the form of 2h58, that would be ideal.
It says 11h57
